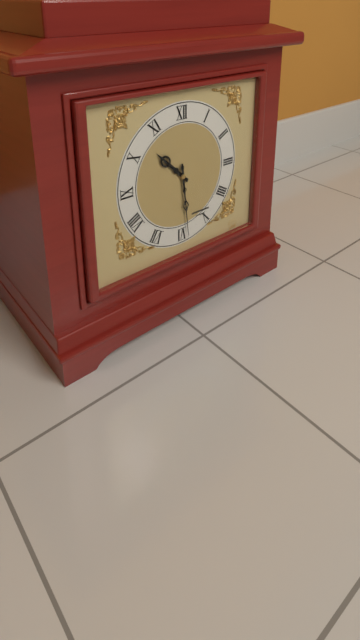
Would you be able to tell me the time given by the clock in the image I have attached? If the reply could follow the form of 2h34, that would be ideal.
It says 10h29
